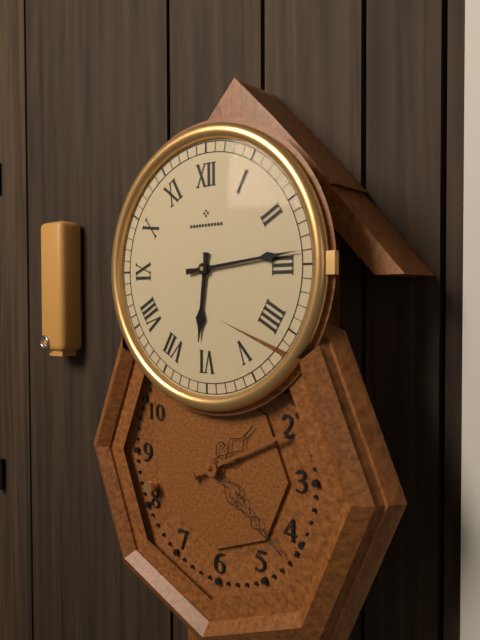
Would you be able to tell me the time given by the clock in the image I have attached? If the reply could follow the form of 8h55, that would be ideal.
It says 6h14
